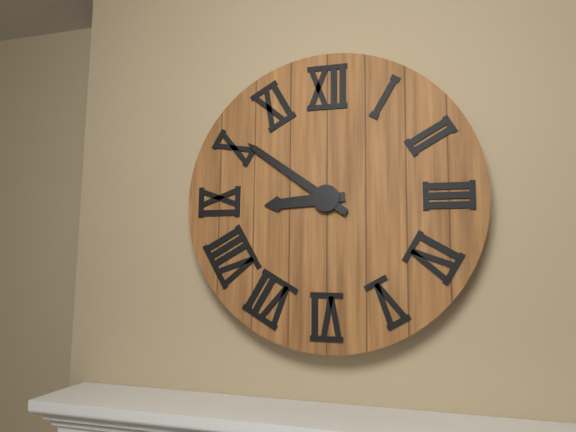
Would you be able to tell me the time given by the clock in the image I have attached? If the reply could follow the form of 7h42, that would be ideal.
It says 8h51
